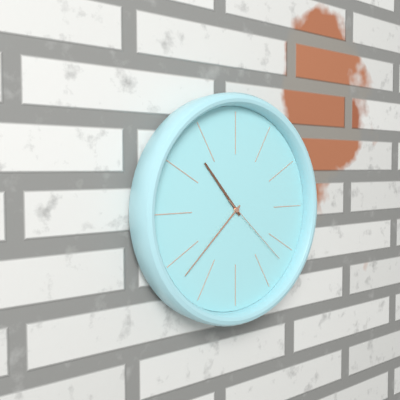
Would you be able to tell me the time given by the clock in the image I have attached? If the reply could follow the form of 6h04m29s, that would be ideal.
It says 10h38m22s
